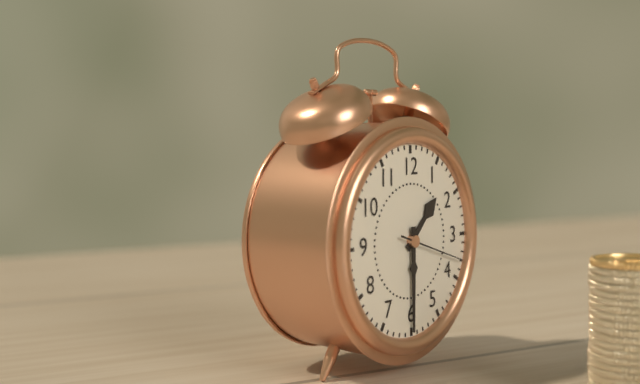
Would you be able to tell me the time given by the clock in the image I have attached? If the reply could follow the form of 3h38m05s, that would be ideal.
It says 1h30m18s
